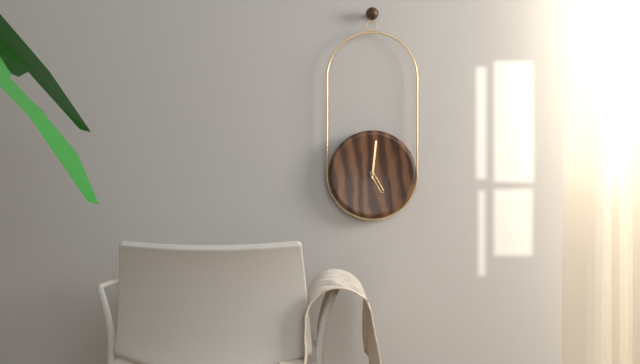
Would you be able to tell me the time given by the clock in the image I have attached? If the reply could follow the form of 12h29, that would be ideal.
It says 5h01
